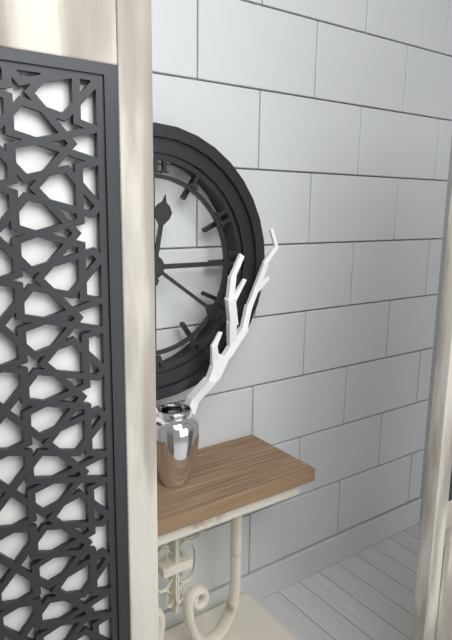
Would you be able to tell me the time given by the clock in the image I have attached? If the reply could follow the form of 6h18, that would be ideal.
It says 12h21
